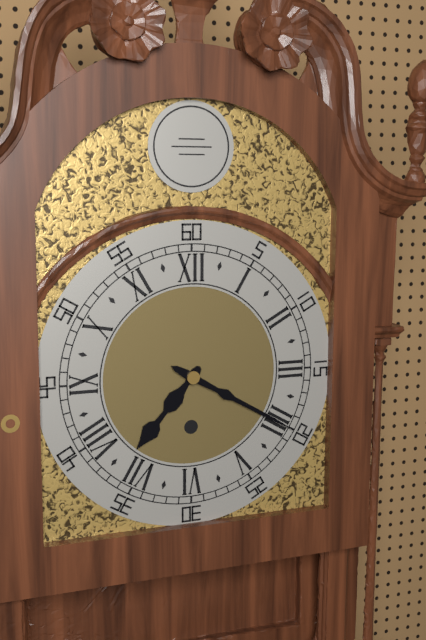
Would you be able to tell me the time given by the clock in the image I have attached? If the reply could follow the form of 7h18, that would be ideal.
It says 7h20
